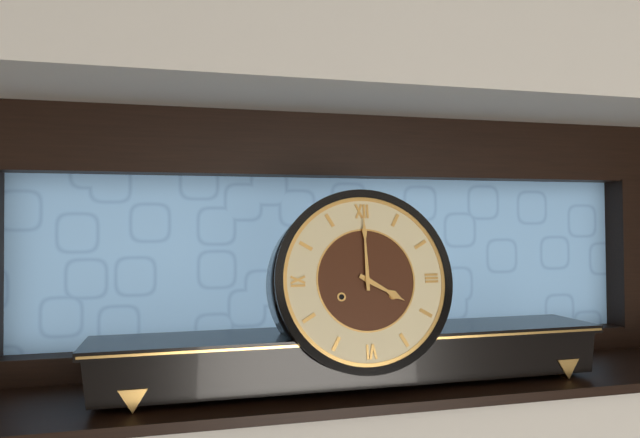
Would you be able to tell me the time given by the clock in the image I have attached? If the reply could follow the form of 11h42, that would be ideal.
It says 4h00
